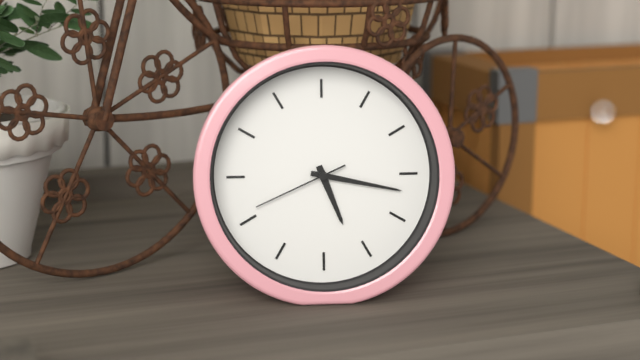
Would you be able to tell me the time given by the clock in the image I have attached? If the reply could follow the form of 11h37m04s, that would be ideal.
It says 5h17m41s
